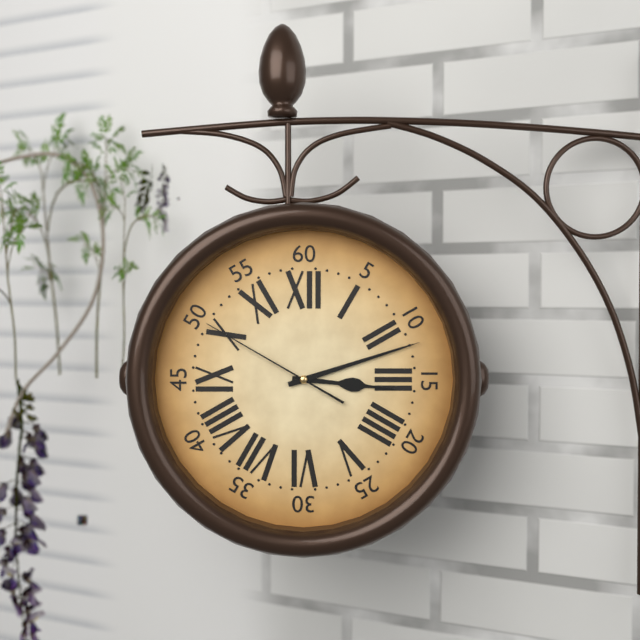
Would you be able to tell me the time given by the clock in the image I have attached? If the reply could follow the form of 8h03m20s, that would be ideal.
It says 3h12m50s
